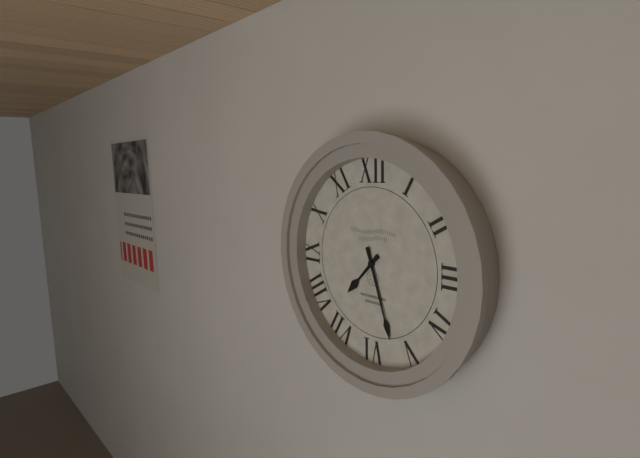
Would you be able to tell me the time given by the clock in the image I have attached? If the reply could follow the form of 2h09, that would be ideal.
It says 7h27
